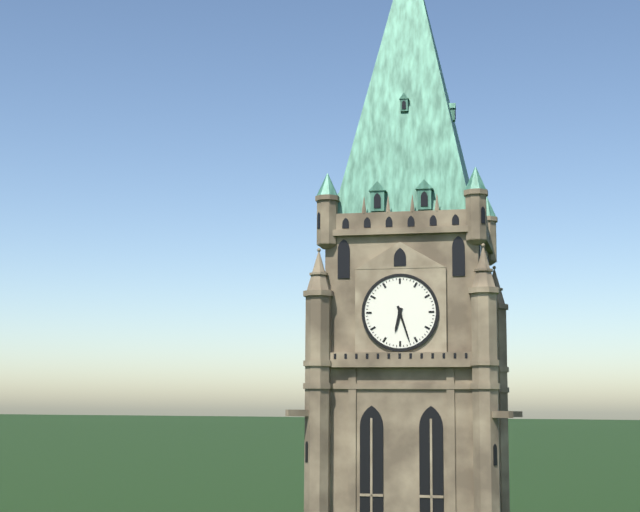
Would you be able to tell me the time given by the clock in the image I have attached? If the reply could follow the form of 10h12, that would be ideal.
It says 6h27
